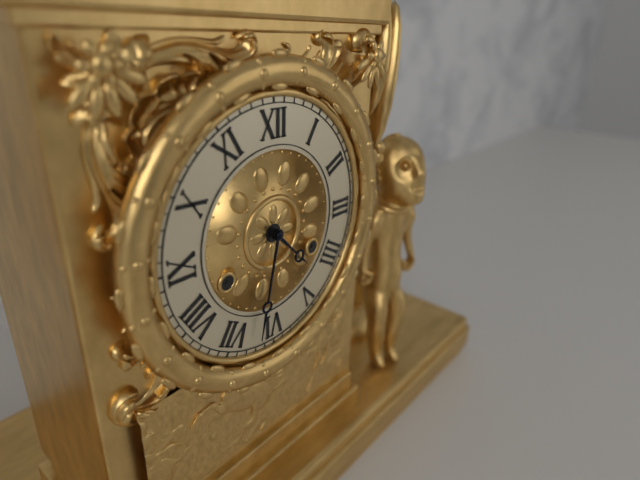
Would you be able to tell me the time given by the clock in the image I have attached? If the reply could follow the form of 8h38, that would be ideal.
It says 4h32
